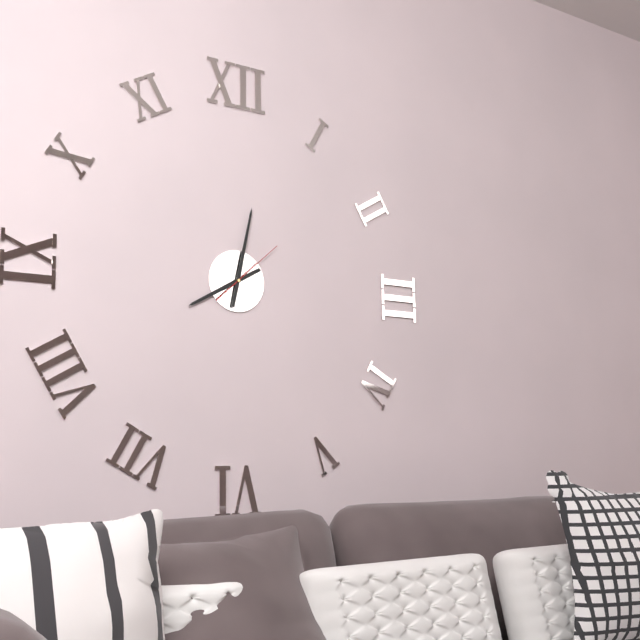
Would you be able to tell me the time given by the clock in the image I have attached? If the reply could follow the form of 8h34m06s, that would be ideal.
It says 8h02m08s
